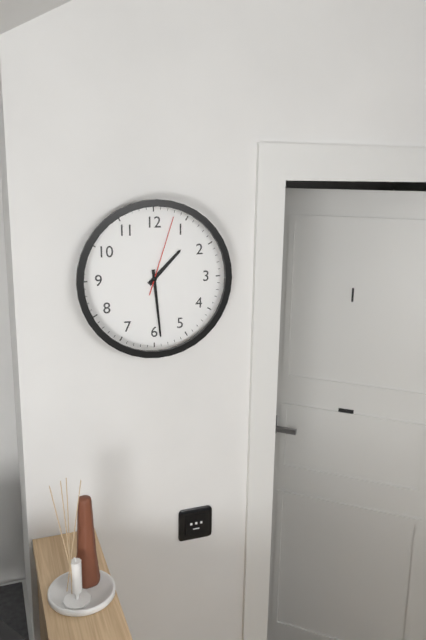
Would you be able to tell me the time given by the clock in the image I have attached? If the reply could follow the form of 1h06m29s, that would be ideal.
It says 1h29m03s
